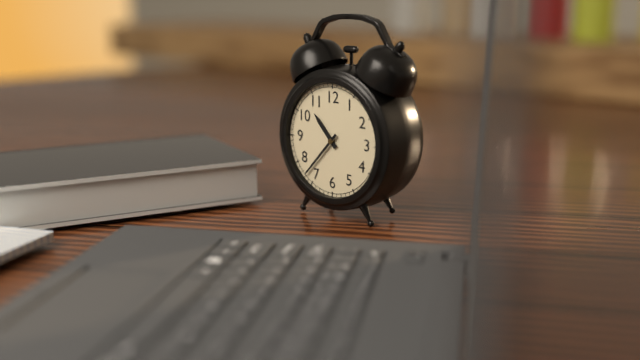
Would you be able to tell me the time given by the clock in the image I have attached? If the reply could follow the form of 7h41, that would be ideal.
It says 10h37
